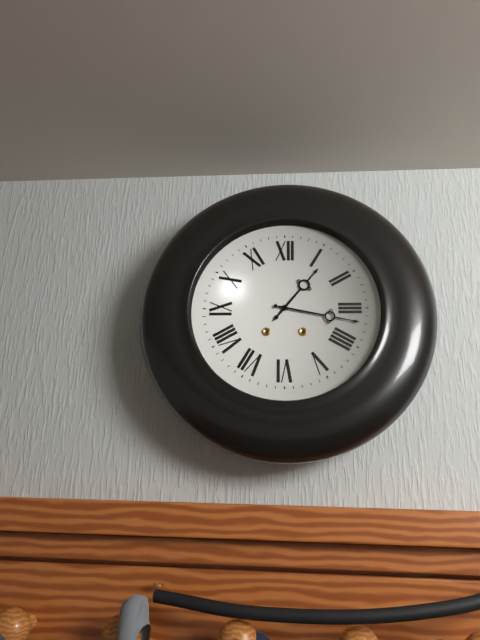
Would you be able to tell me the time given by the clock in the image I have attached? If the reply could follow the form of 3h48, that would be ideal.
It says 1h17
